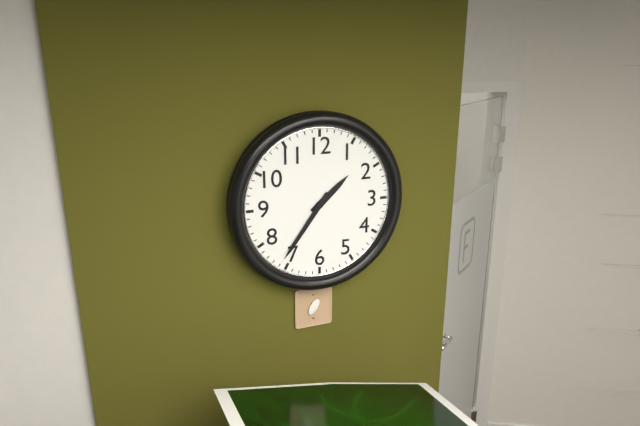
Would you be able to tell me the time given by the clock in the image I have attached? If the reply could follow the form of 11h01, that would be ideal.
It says 1h36
